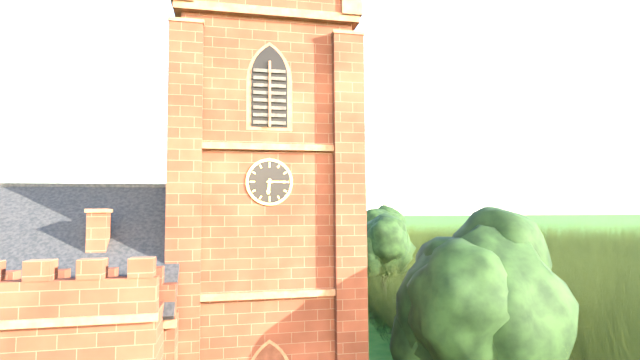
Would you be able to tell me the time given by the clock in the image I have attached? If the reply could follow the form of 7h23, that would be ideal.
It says 6h15
